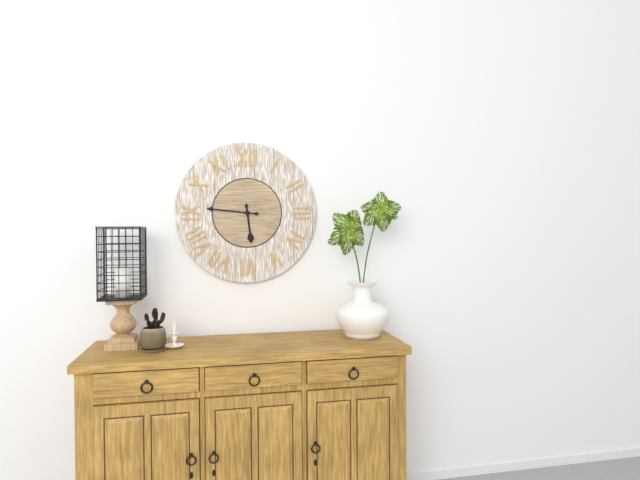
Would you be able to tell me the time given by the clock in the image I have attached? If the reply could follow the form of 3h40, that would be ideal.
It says 5h46
